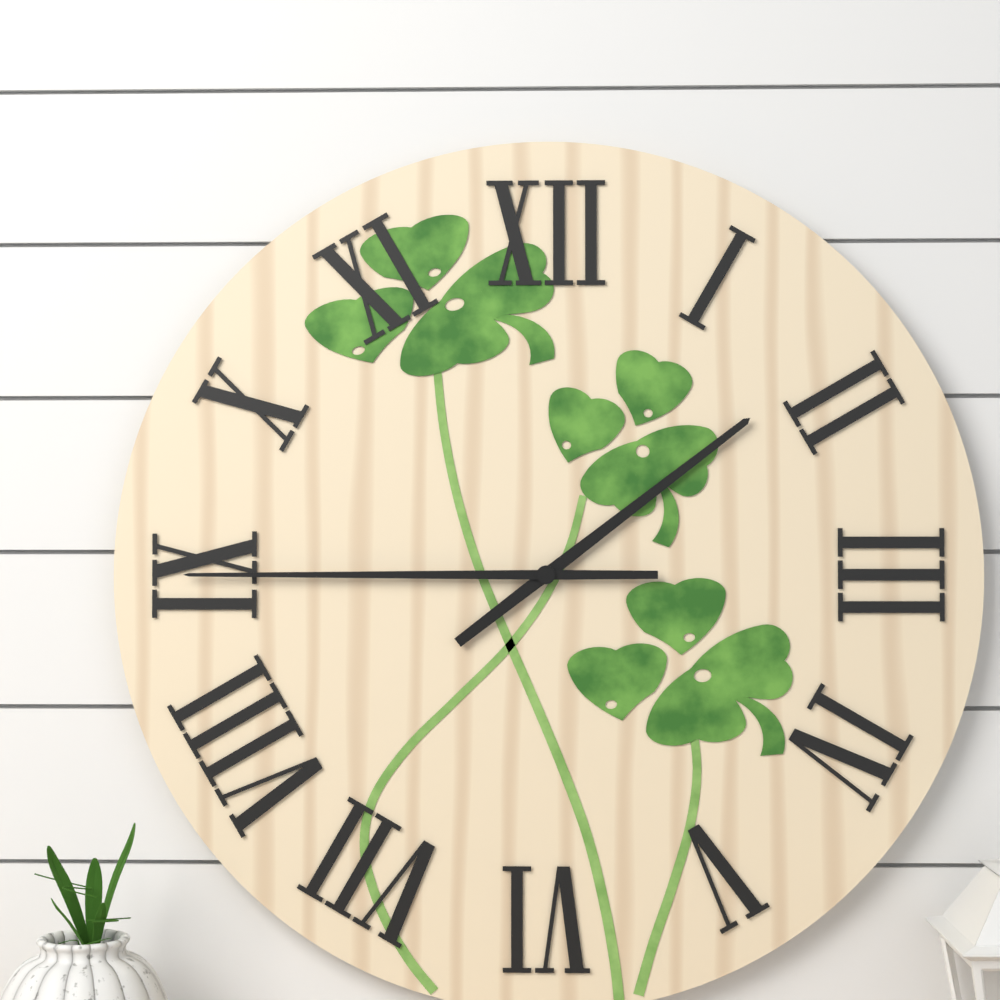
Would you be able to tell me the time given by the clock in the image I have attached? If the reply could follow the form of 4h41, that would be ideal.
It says 1h45
